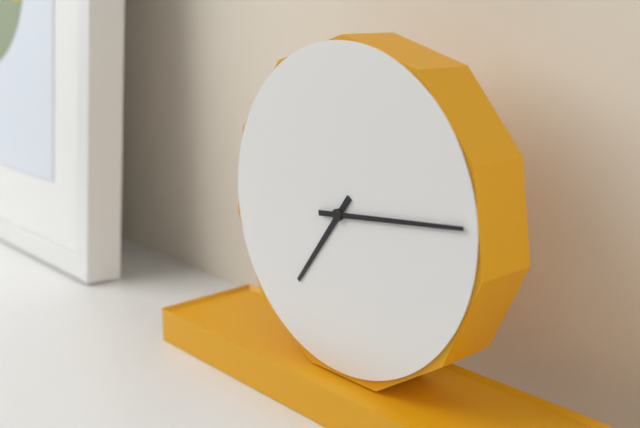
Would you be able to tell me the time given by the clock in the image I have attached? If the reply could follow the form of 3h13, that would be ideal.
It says 7h14
